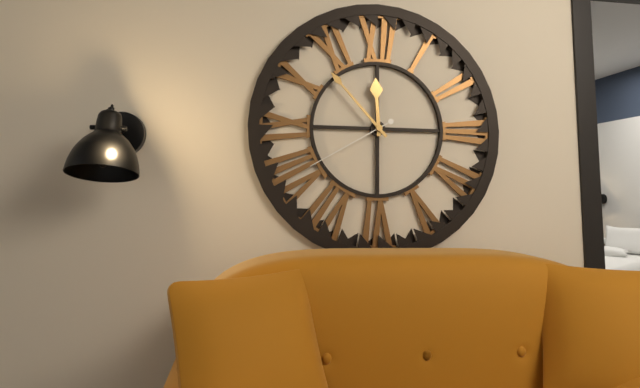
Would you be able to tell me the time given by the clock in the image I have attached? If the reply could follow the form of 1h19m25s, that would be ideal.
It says 11h53m40s
